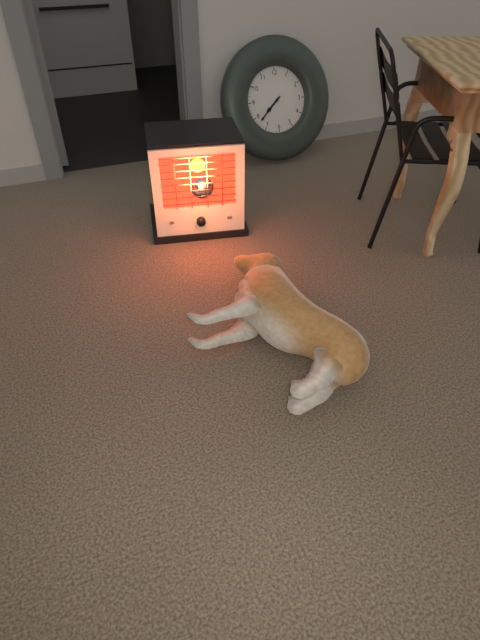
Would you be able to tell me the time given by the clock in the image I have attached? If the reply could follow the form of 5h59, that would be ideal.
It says 7h38
